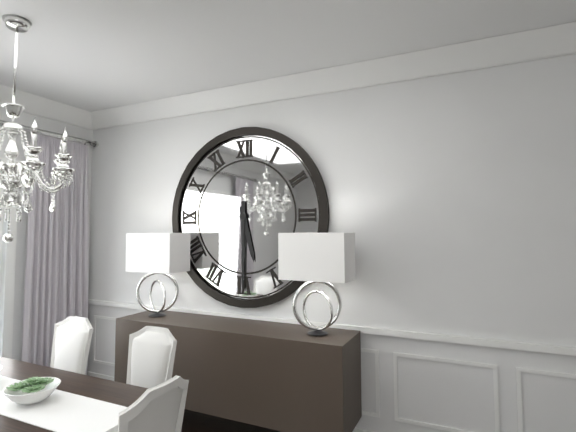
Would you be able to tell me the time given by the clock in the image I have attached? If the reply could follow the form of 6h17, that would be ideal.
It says 5h30
